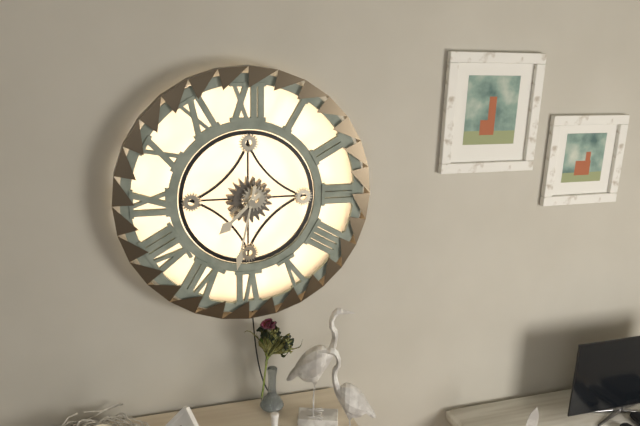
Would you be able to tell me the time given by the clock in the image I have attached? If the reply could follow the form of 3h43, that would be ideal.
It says 7h32
